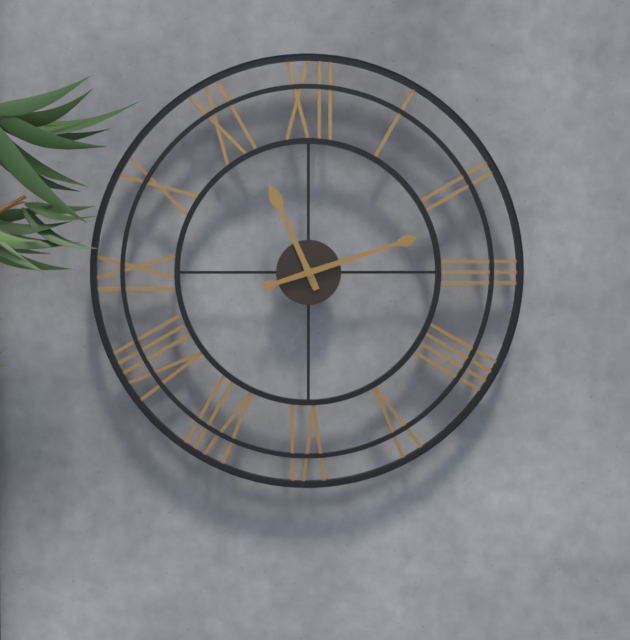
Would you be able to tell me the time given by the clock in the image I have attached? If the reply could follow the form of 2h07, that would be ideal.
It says 11h12
